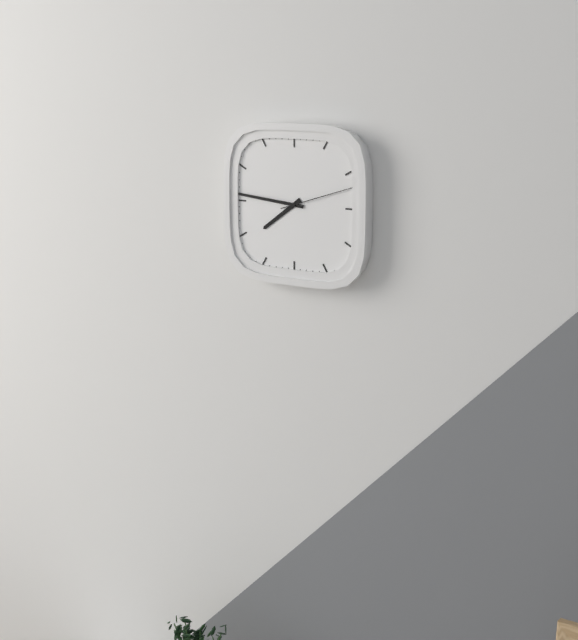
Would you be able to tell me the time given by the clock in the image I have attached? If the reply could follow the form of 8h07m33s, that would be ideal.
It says 7h46m12s
